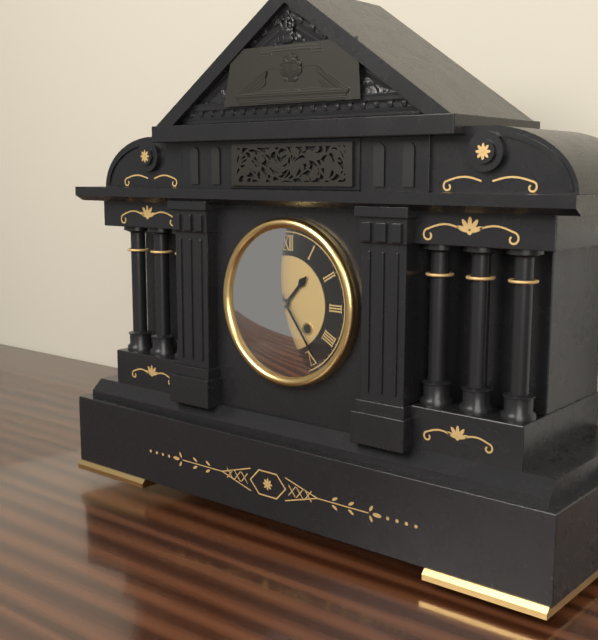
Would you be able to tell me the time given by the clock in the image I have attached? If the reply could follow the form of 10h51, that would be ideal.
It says 1h24
